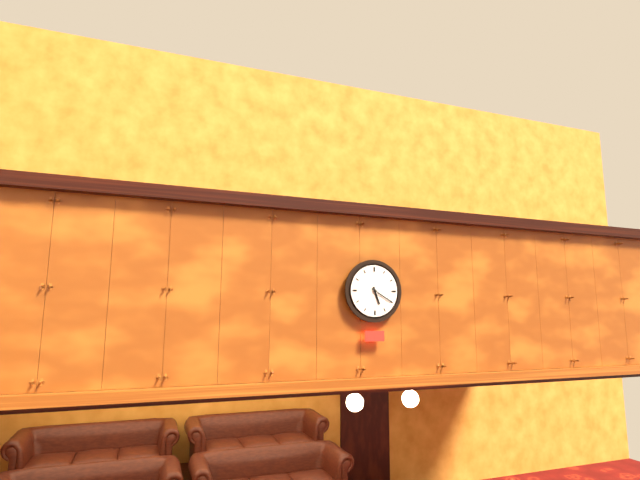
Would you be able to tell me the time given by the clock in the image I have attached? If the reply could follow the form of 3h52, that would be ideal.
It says 5h20
